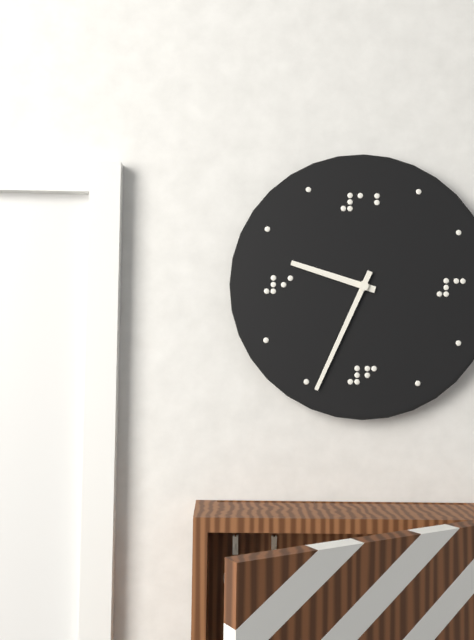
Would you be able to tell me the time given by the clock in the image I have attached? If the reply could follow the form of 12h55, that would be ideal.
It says 9h34
